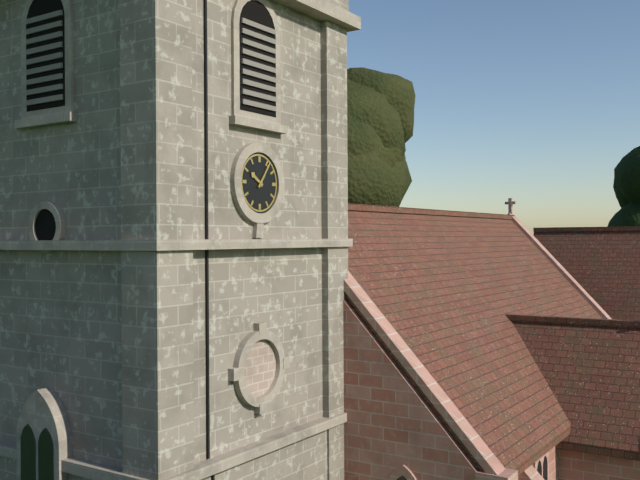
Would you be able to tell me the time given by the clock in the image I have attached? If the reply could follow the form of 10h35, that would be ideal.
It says 10h06
